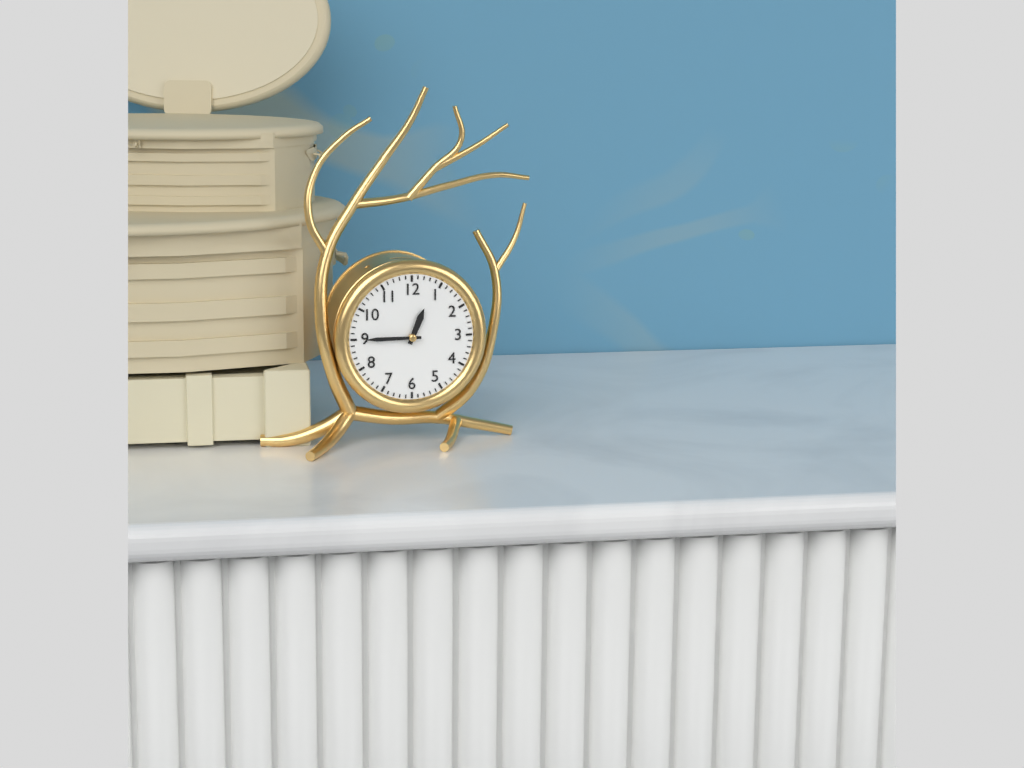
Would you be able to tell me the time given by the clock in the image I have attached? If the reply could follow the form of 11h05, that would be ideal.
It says 12h45
